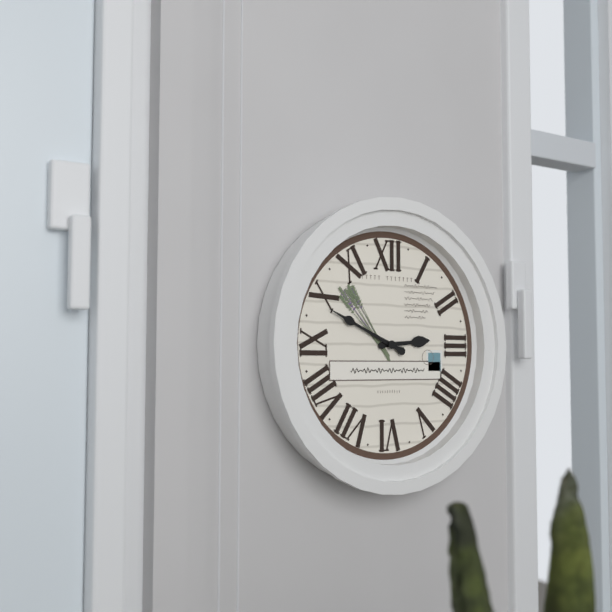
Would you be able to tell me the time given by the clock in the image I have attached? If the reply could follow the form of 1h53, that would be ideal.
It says 2h49
